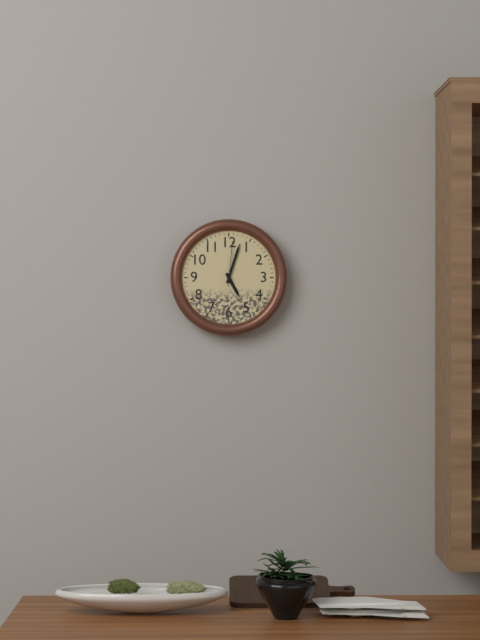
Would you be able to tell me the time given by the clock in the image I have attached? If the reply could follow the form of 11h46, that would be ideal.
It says 5h03
